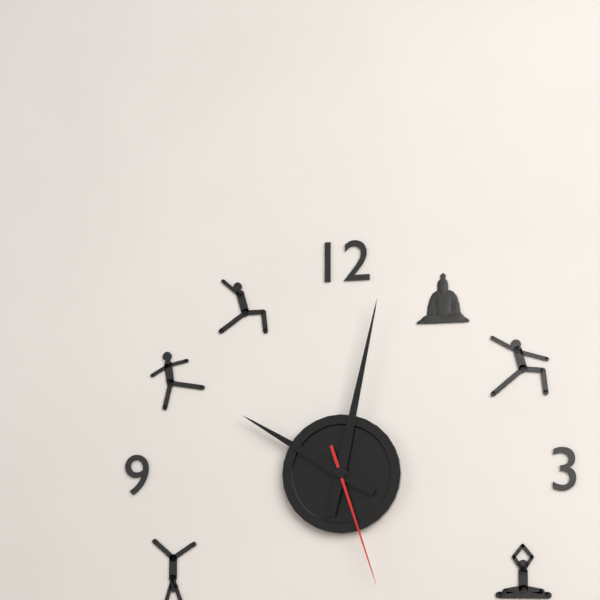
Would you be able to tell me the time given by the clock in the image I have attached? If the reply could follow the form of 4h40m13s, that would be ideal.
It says 10h02m27s
